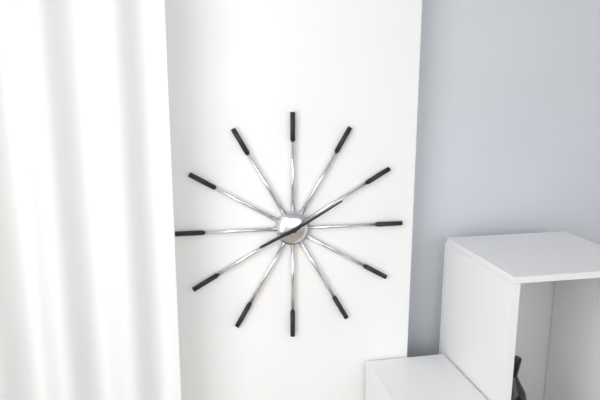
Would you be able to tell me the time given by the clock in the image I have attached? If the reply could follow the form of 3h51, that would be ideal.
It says 8h10
